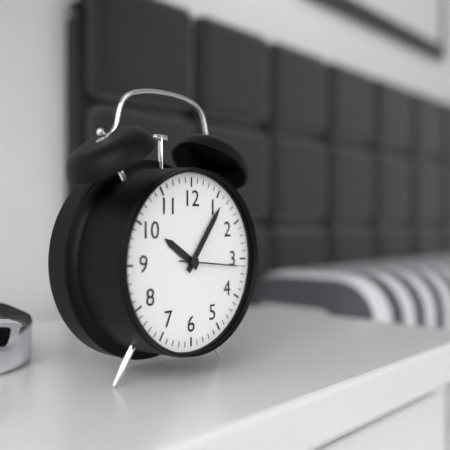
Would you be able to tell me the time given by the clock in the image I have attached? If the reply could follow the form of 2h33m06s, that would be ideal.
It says 10h06m16s
